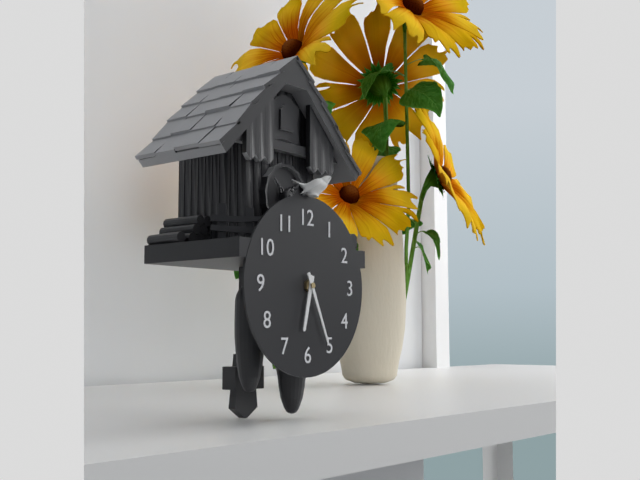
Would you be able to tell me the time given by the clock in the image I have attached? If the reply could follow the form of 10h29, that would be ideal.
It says 6h26
